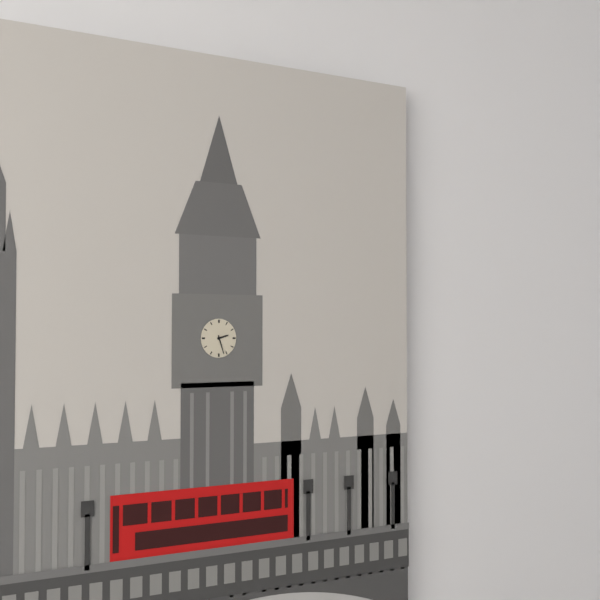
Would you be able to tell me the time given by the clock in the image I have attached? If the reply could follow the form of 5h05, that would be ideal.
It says 2h27
